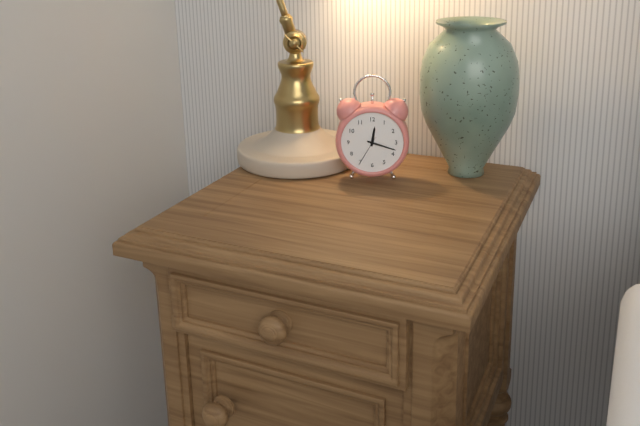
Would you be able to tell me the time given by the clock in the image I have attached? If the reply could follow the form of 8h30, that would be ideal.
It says 12h18
